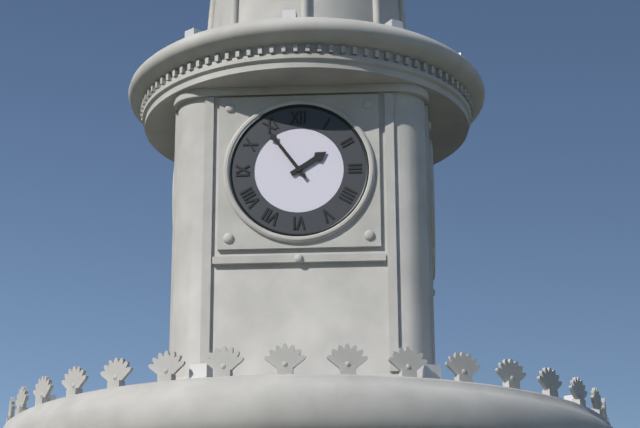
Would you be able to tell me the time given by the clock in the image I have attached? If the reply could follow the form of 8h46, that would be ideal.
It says 1h54
